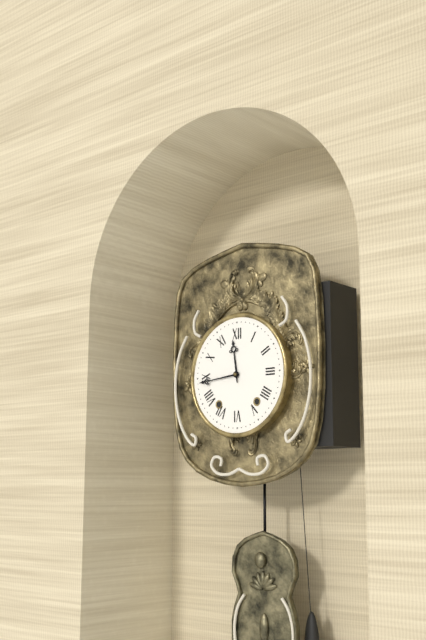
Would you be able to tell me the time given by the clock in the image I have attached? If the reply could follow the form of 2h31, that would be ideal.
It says 11h44
